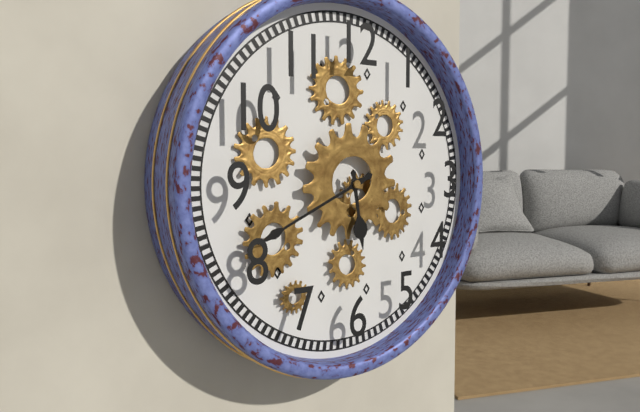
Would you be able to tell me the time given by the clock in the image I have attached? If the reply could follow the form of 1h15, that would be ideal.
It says 5h41
